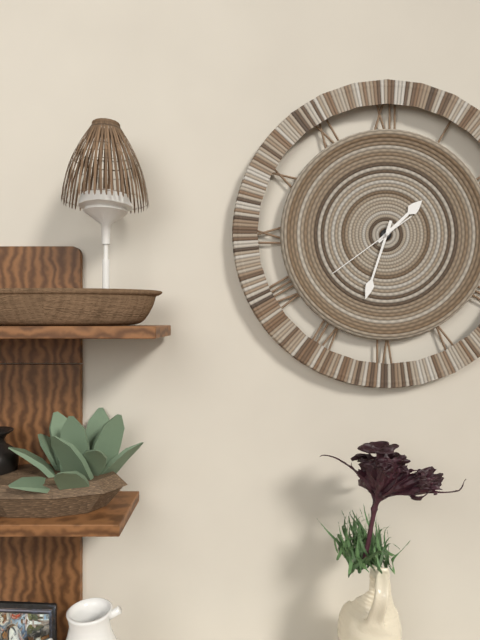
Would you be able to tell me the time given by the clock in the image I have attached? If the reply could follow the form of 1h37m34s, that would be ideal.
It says 1h33m39s
